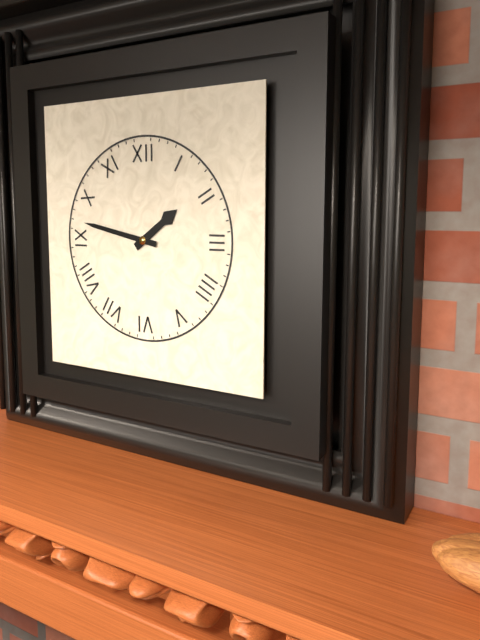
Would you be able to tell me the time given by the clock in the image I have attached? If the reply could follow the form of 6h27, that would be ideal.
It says 1h47
